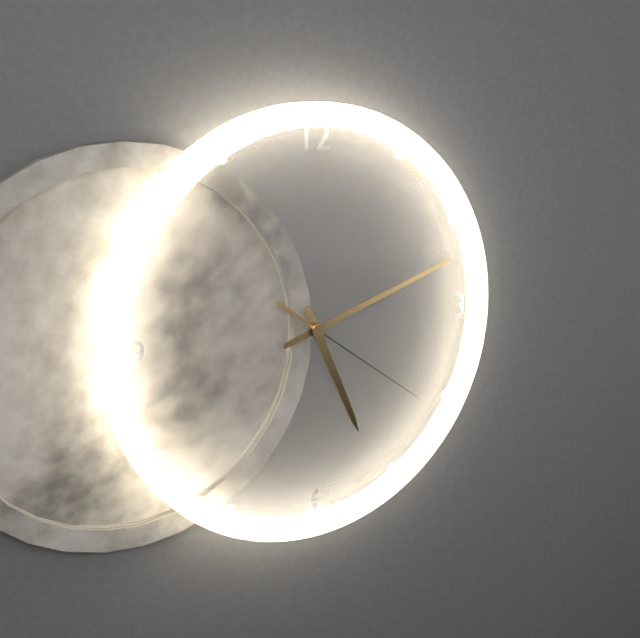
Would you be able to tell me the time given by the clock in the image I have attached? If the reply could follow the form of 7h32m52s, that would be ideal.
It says 5h12m21s
